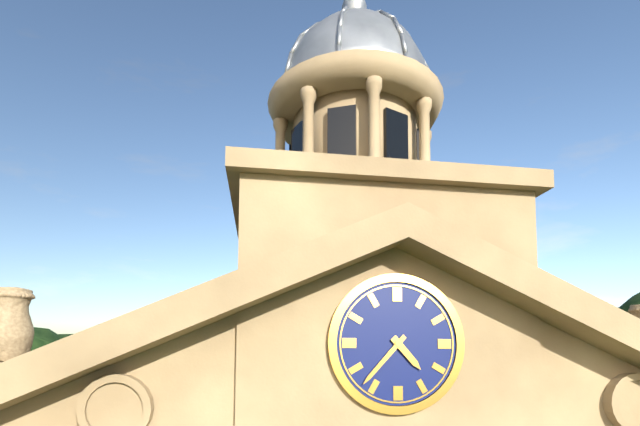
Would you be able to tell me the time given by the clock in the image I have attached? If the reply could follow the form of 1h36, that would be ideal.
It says 4h37
